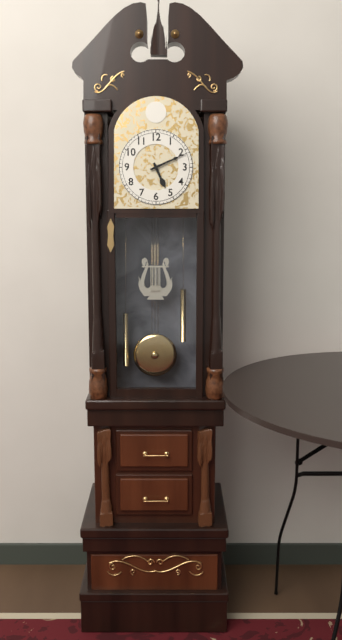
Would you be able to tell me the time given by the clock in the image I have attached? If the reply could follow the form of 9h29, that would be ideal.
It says 5h11
